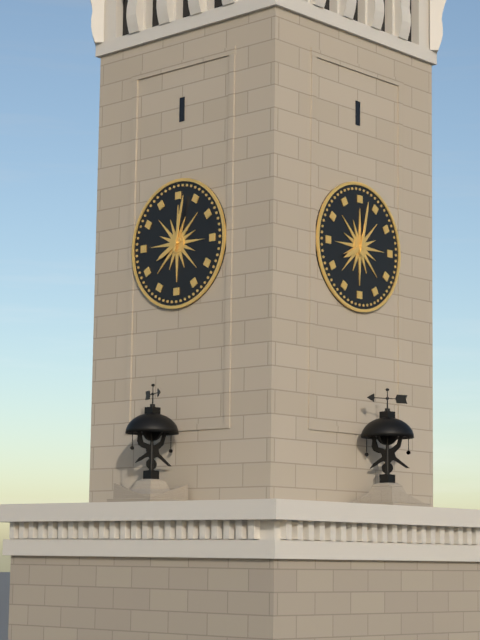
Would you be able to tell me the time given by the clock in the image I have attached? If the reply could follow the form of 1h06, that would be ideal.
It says 8h02
